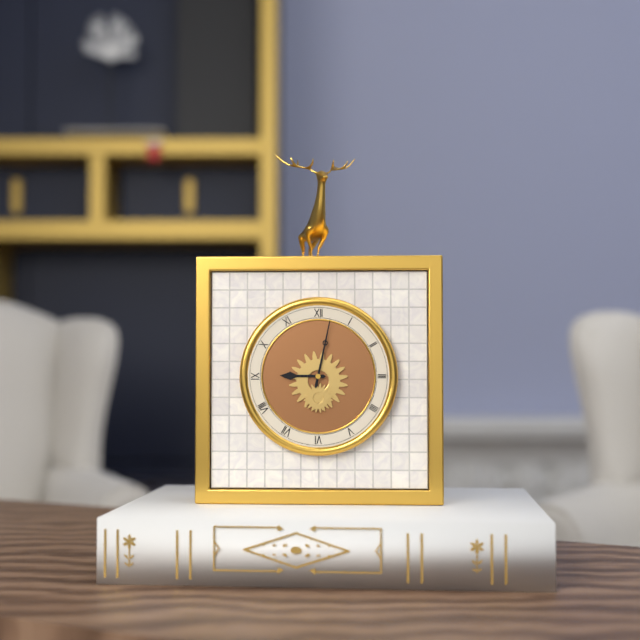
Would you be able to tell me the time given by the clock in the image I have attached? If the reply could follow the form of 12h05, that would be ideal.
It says 9h02
